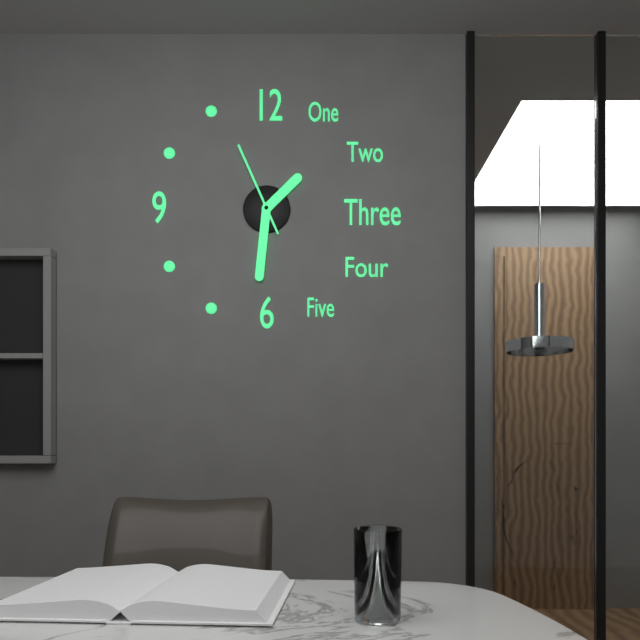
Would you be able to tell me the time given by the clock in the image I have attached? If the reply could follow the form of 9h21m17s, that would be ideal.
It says 1h31m56s
